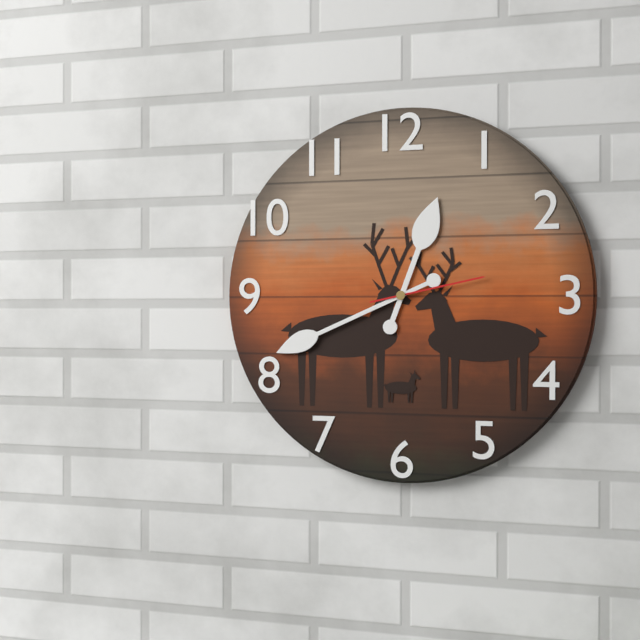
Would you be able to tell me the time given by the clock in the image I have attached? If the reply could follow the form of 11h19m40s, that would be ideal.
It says 12h41m13s
